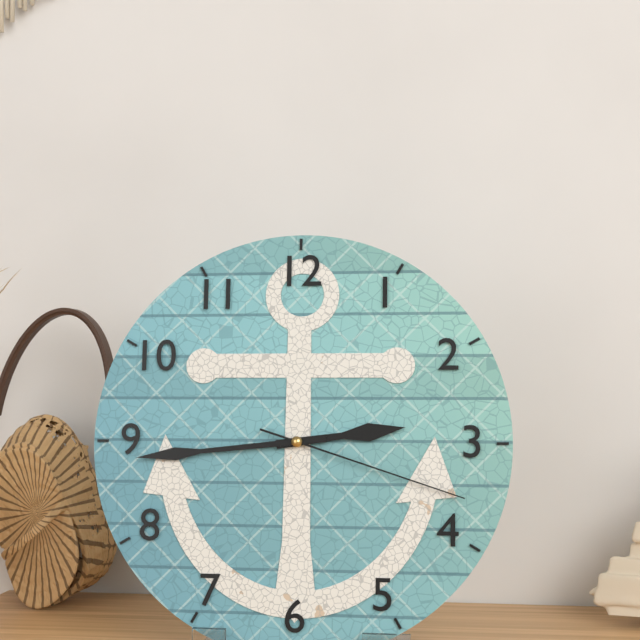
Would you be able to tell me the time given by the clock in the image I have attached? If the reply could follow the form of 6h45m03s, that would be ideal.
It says 2h44m18s
